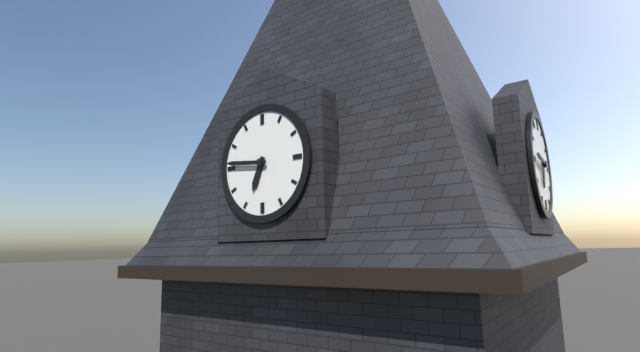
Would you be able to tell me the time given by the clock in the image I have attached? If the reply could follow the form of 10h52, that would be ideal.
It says 6h46
